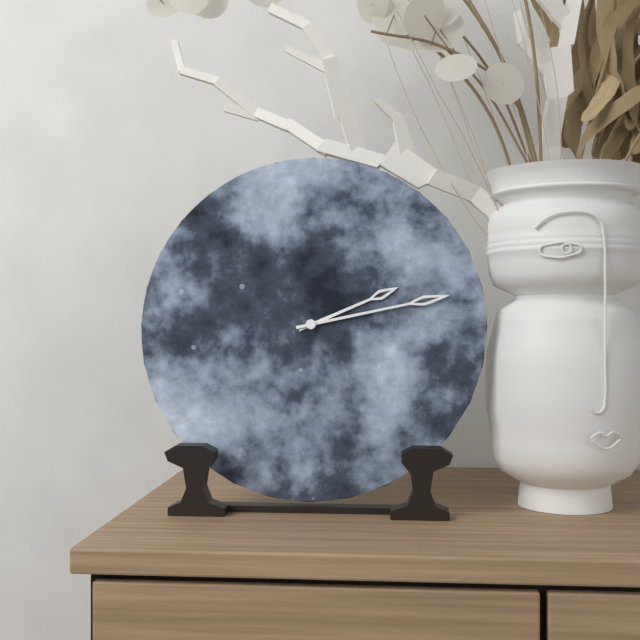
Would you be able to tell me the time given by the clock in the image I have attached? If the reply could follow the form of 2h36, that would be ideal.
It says 2h13
